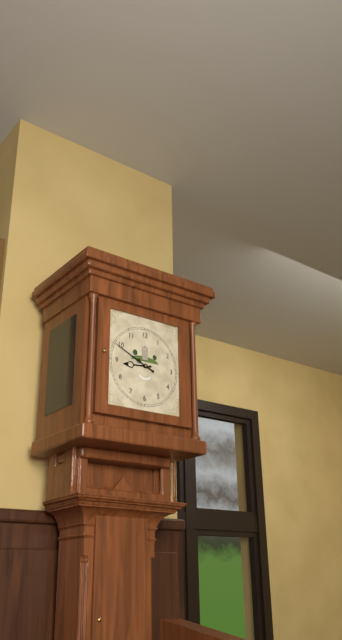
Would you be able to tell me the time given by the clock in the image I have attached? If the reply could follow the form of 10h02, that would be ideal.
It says 8h49
